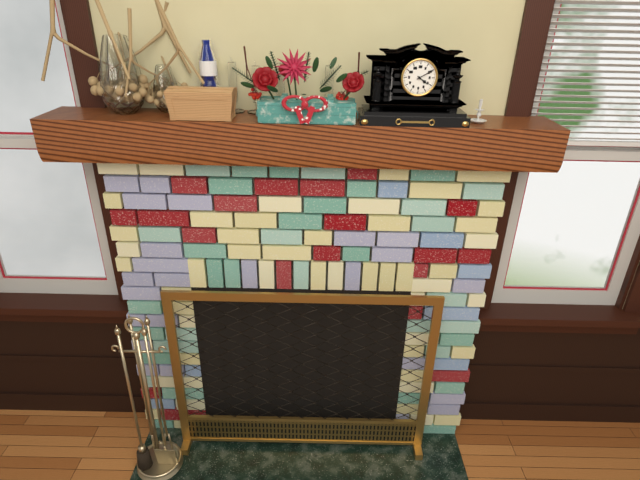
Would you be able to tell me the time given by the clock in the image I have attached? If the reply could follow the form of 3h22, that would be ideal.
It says 4h10
